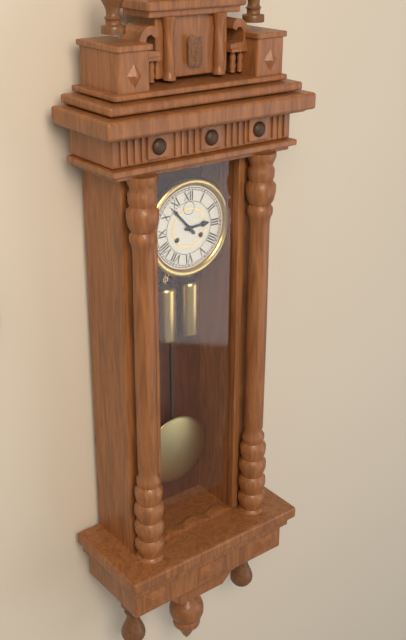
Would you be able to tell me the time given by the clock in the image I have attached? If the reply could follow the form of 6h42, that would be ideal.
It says 2h53
